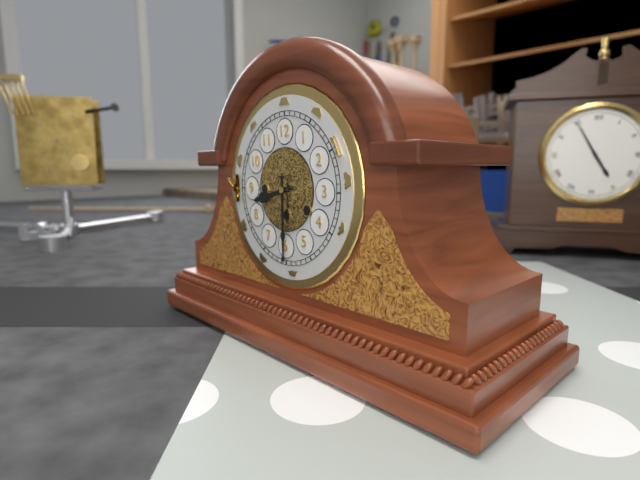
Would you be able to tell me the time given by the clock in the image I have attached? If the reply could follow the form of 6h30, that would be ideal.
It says 8h30
